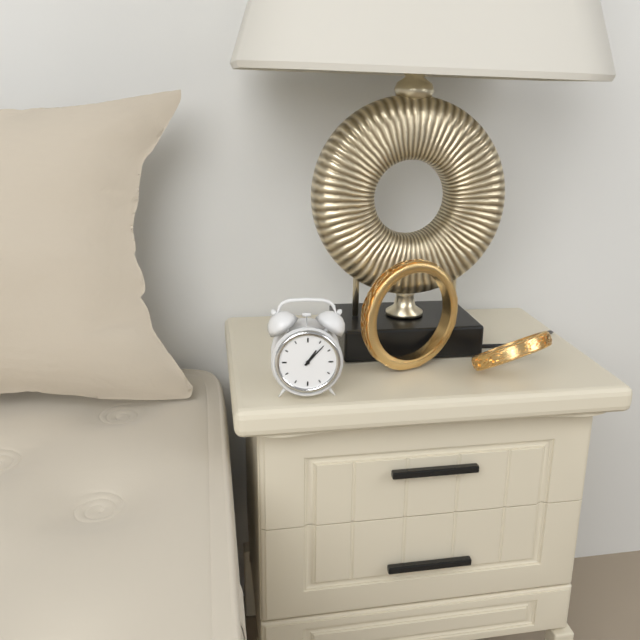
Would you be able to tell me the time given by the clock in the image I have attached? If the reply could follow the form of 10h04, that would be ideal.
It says 1h07
